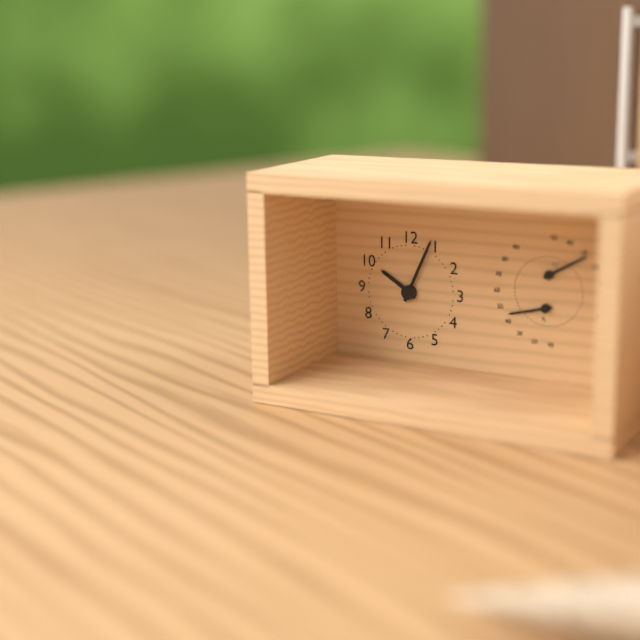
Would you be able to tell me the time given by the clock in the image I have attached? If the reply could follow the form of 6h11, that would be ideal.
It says 10h04
